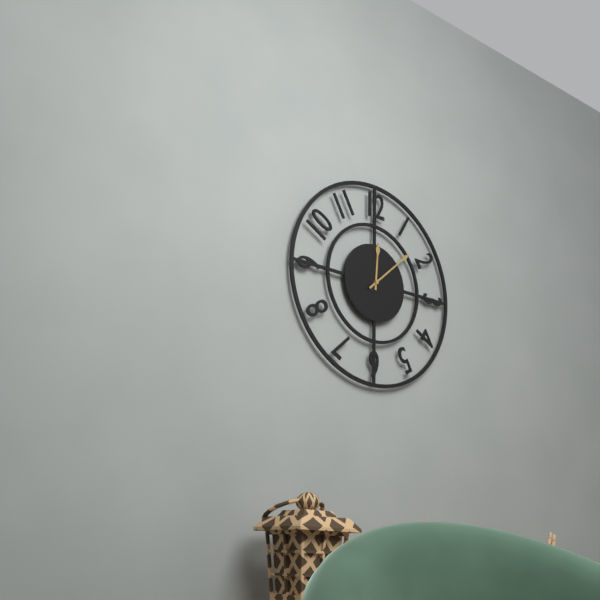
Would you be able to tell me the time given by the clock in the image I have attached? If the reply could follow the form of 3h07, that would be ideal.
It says 12h08
